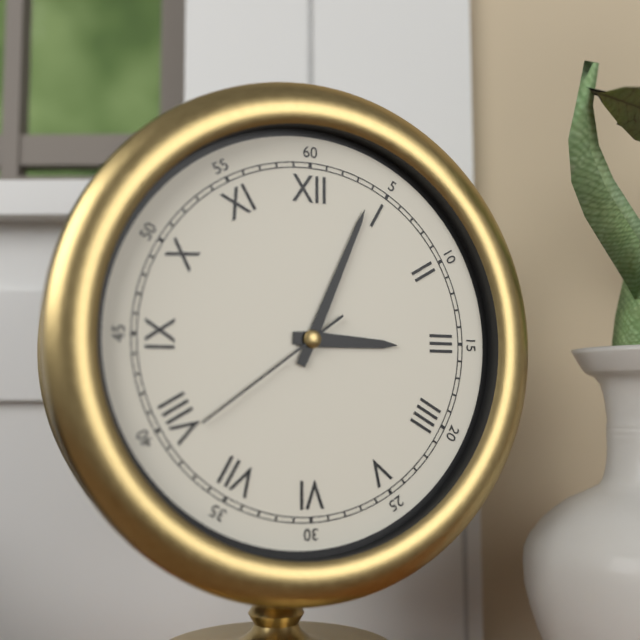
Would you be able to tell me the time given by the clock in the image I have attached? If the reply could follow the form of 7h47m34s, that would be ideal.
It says 3h04m39s
